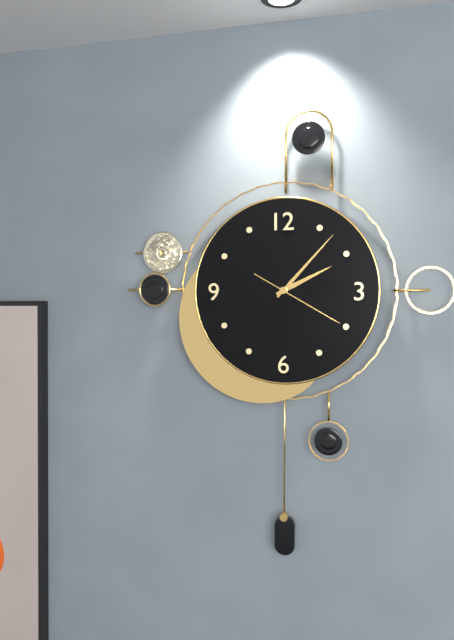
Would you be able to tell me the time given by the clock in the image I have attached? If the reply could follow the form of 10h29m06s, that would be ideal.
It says 2h07m20s
